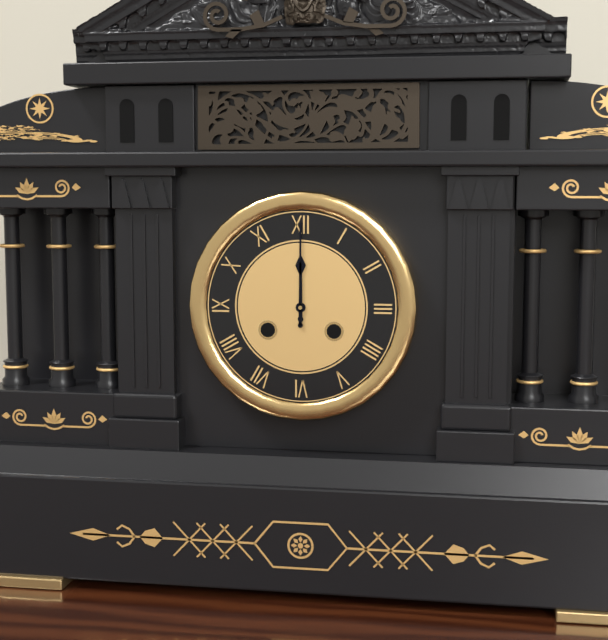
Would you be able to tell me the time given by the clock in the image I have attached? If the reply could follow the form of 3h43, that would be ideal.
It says 12h00
